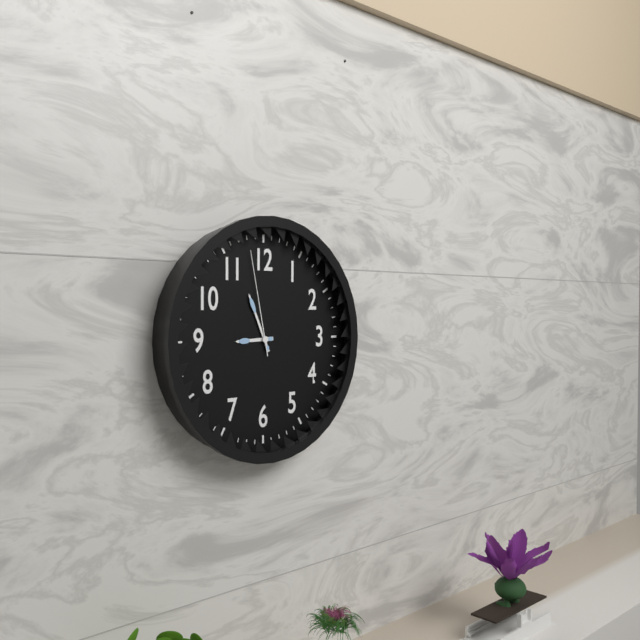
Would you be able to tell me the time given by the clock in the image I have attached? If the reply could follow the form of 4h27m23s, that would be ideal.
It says 8h56m58s
